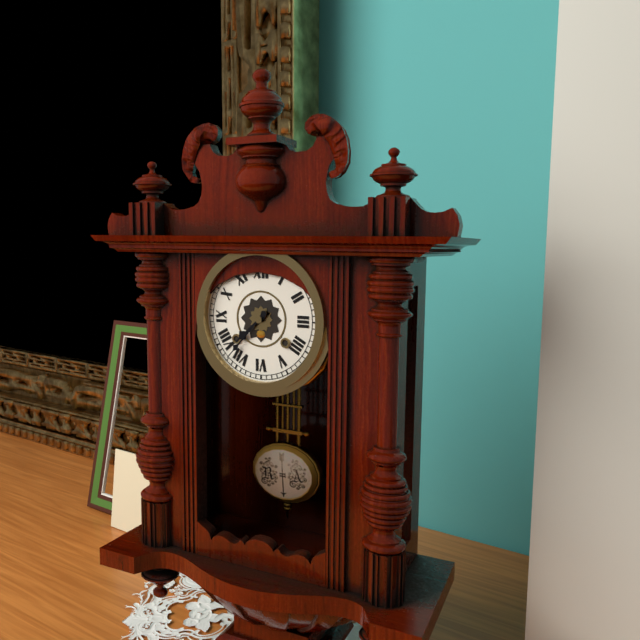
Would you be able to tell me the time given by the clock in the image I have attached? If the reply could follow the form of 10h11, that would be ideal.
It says 7h37
